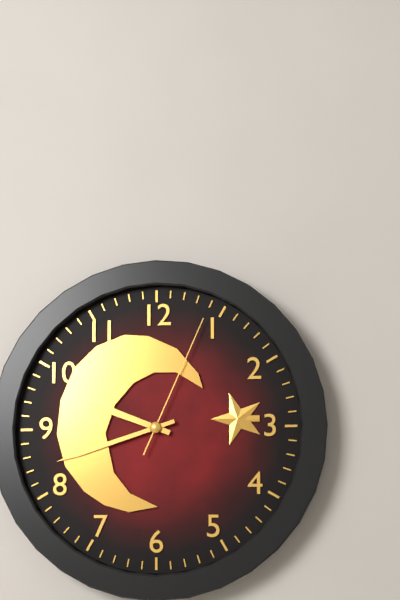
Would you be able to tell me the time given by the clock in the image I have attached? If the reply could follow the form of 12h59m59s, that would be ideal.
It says 9h42m04s
